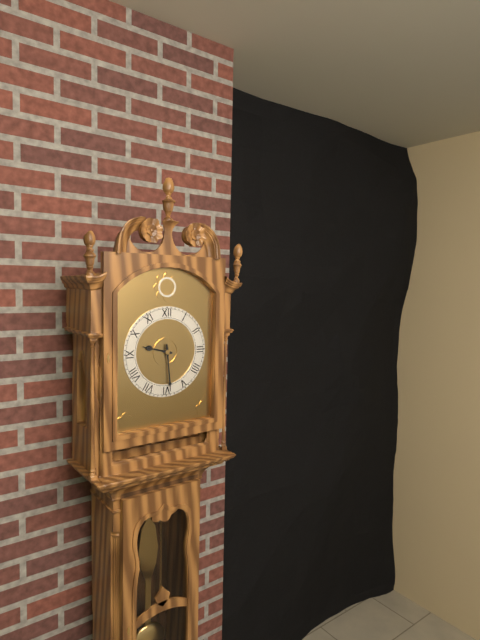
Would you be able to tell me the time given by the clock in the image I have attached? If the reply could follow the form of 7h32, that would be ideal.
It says 9h29
